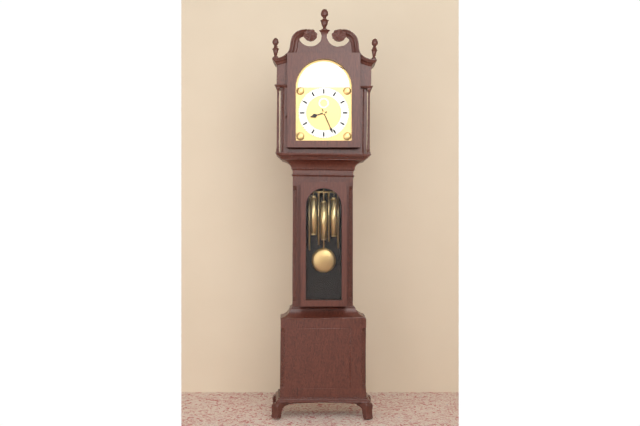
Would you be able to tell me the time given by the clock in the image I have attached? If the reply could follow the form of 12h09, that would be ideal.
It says 8h26
